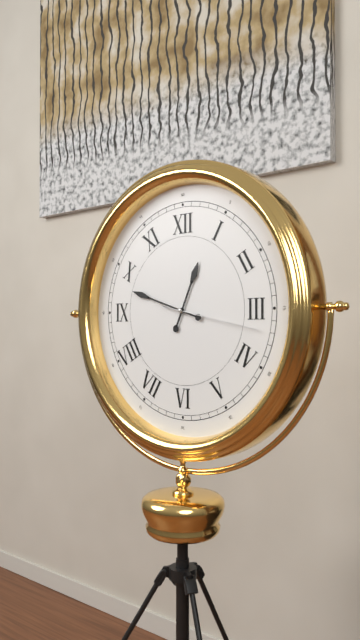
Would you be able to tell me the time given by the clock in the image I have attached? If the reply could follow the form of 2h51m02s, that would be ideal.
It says 12h48m17s
